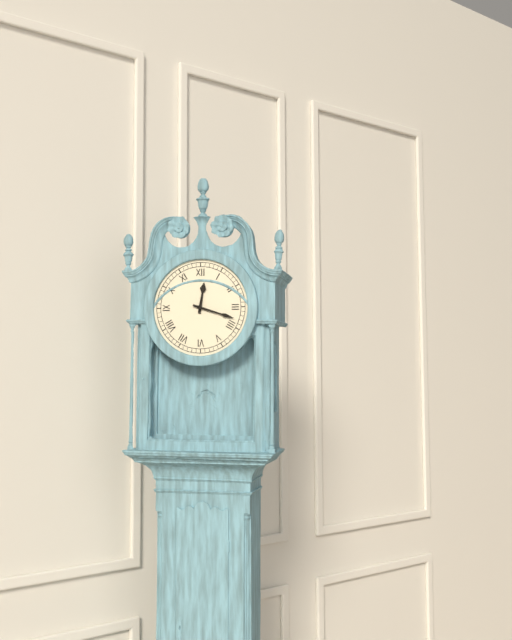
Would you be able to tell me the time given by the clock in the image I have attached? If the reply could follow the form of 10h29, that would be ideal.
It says 12h18
